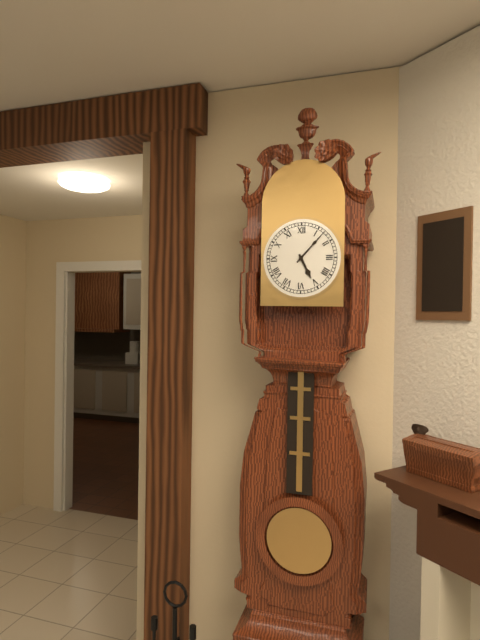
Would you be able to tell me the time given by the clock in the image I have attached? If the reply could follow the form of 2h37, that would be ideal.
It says 5h07
